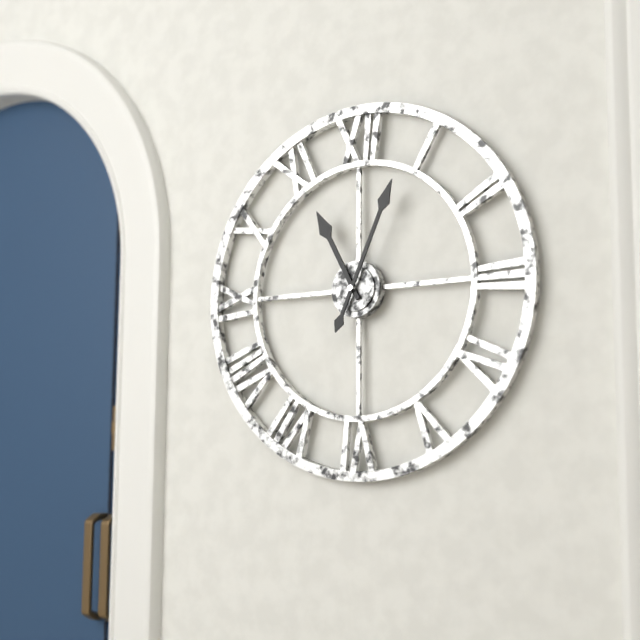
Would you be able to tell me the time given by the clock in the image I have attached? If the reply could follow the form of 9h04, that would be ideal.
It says 11h04
